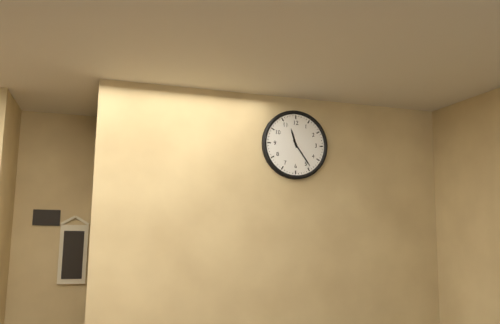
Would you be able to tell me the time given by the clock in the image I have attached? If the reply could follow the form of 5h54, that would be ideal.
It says 11h24
